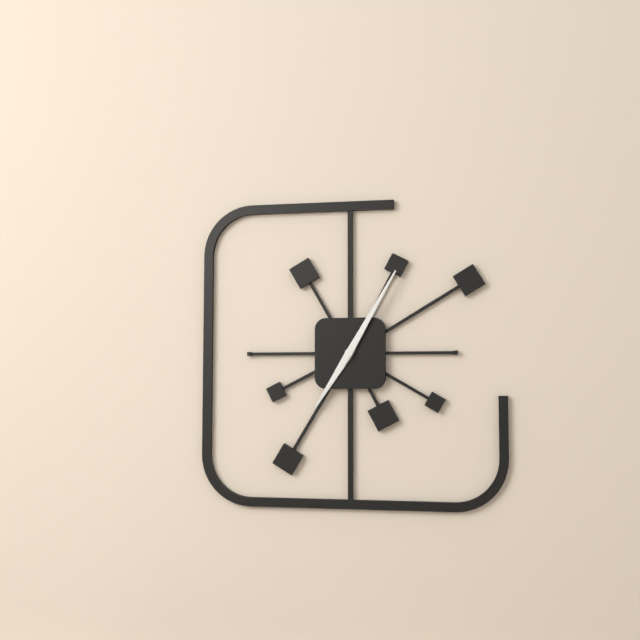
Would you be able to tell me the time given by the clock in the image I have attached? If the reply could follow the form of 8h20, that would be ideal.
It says 7h05
